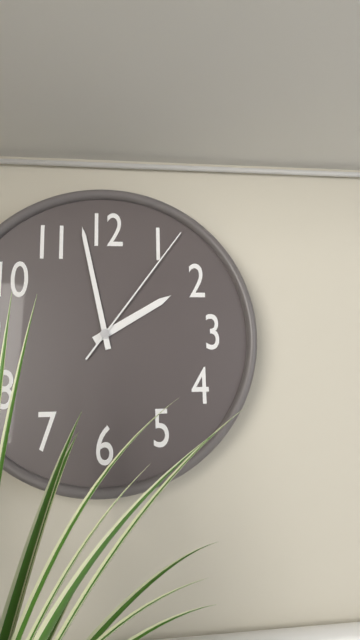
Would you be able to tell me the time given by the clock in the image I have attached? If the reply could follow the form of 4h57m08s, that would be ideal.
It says 1h58m06s
